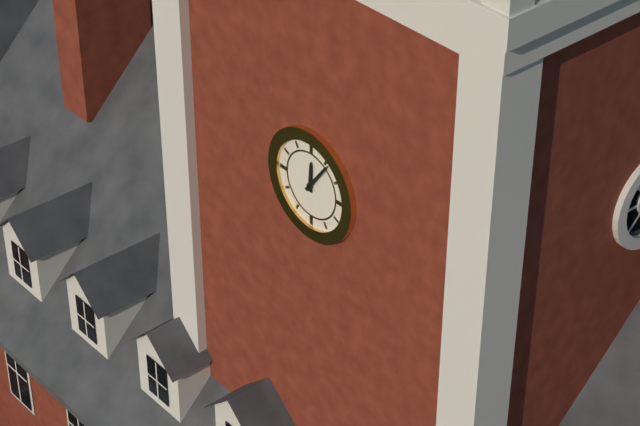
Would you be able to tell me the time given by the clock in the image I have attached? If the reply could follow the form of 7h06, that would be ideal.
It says 12h06
